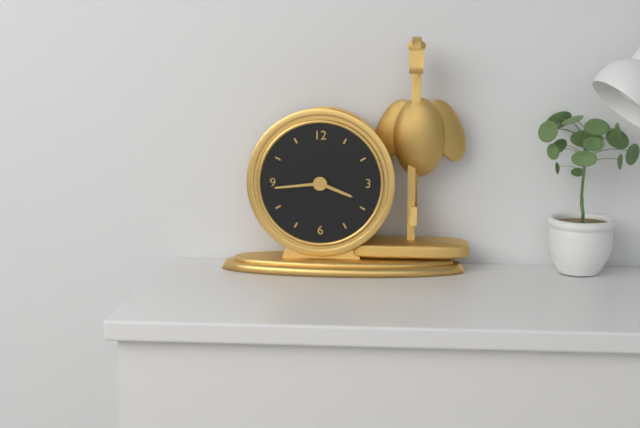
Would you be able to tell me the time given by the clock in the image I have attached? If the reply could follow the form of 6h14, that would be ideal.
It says 3h44
